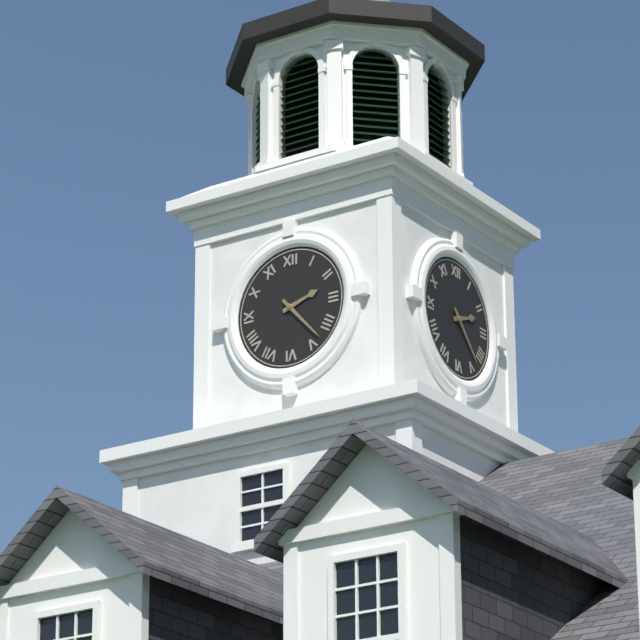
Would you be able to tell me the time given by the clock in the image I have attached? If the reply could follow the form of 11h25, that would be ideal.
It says 2h23
